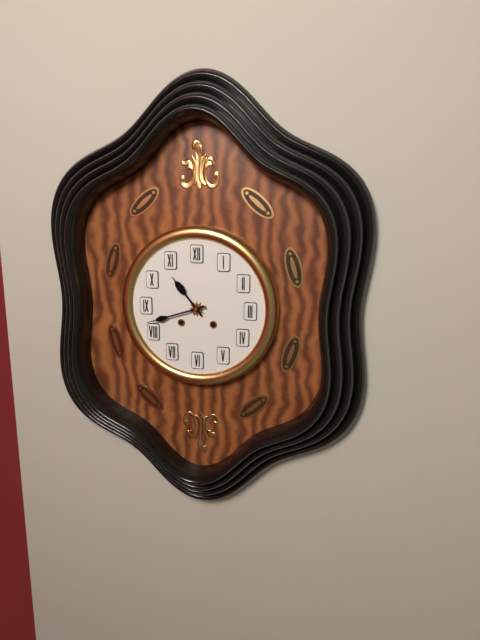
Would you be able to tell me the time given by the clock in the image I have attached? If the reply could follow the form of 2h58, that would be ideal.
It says 10h42
